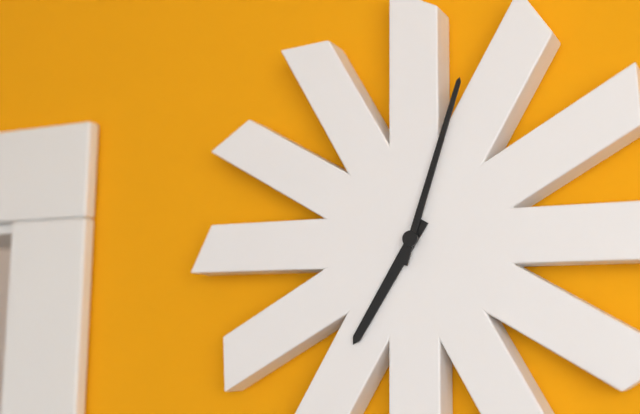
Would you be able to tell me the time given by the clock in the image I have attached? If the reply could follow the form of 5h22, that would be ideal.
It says 7h03
